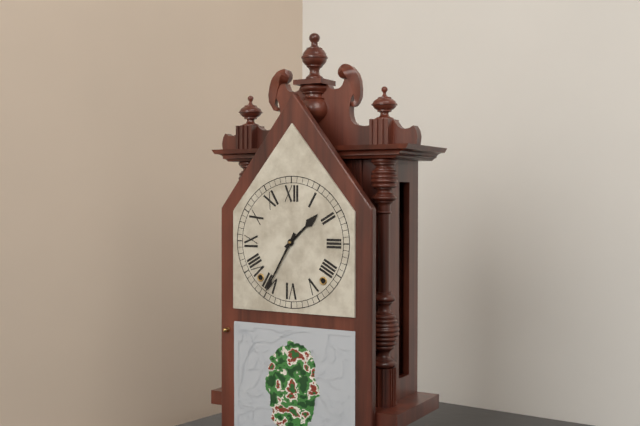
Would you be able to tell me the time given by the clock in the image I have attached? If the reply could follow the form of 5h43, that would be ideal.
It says 1h35
